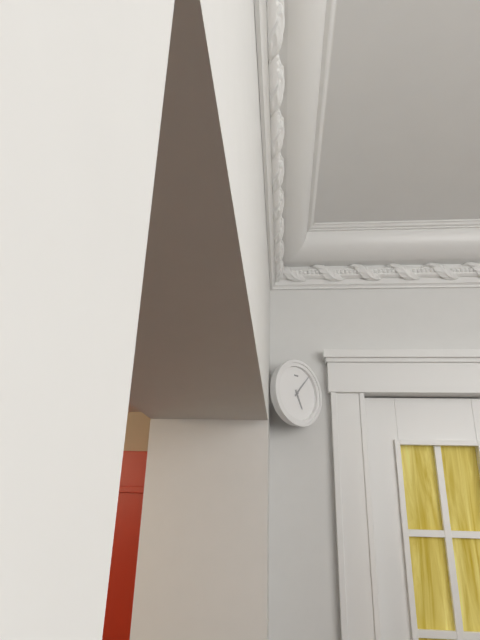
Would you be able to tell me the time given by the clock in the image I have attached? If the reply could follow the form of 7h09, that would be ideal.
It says 5h07
